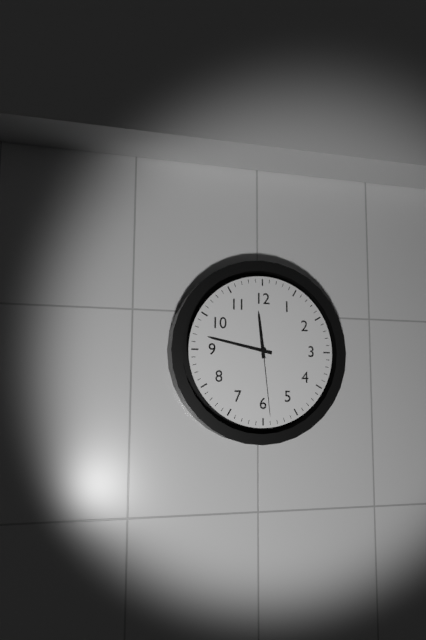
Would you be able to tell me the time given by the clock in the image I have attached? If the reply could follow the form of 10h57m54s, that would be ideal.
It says 11h47m29s
